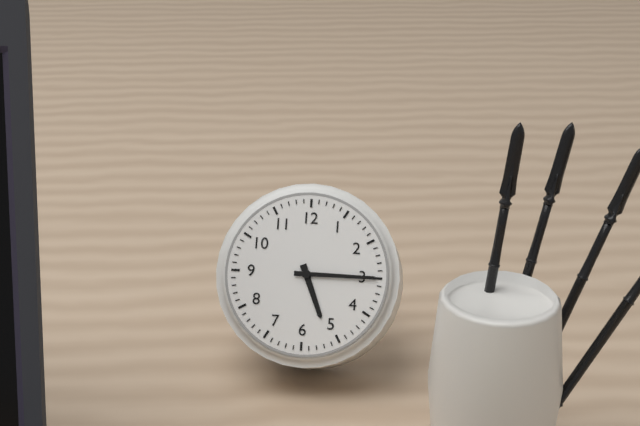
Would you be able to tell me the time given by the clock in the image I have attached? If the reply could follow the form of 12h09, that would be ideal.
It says 5h15
